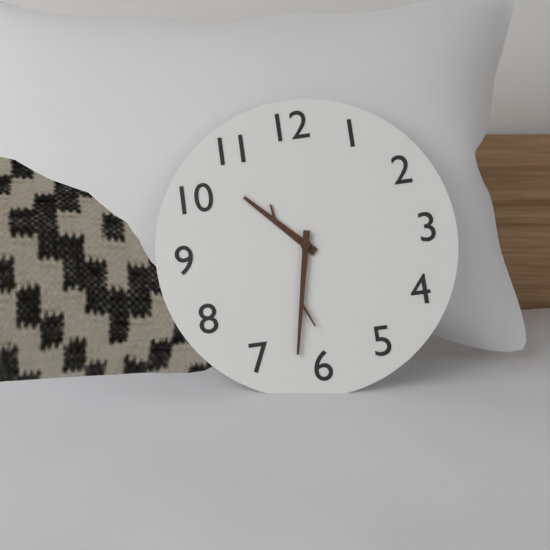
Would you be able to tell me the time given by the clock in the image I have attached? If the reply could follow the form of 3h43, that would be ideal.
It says 10h32
